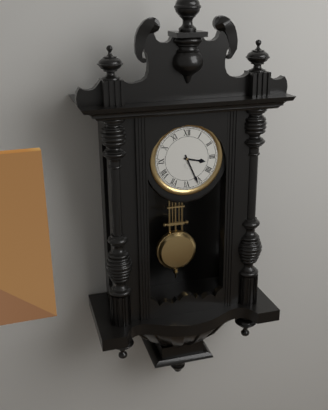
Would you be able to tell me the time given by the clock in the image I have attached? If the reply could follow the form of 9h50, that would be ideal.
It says 3h26
